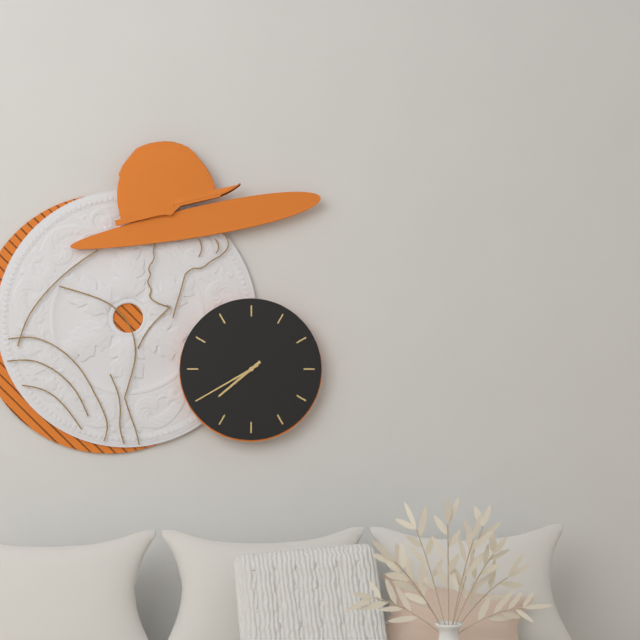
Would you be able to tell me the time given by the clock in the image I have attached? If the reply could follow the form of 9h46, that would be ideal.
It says 7h40
